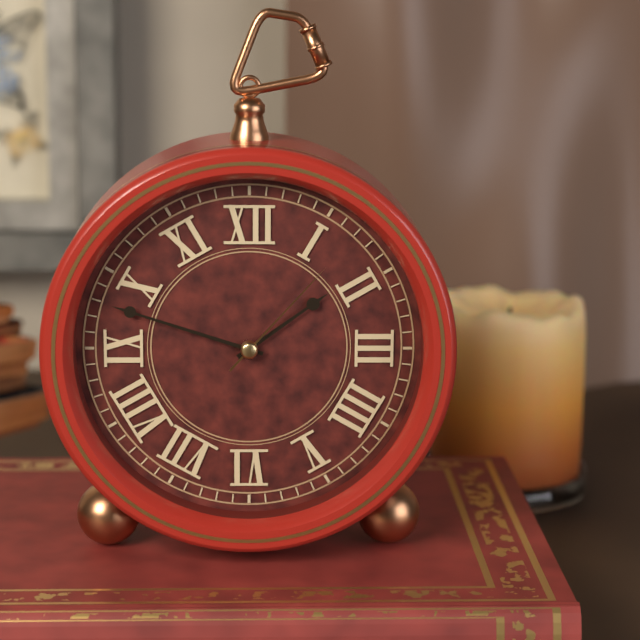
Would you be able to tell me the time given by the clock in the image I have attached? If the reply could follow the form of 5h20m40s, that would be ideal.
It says 1h48m07s
